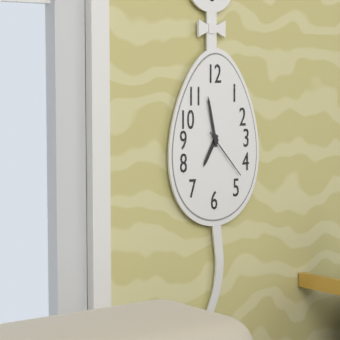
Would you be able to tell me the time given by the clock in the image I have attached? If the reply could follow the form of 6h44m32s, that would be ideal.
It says 6h58m23s
